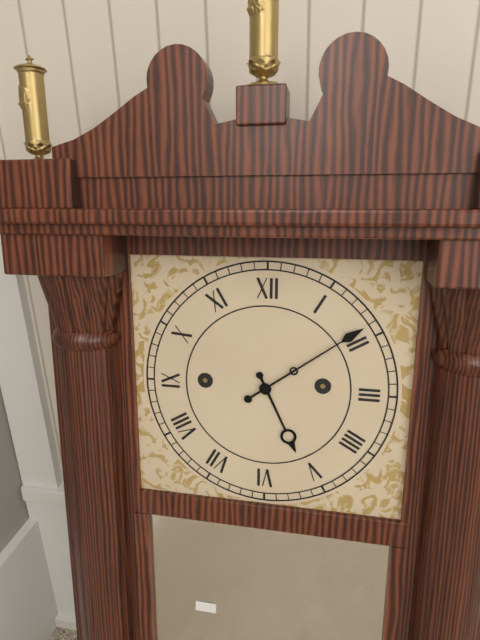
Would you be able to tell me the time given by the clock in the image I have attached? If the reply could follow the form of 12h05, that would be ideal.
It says 5h09
